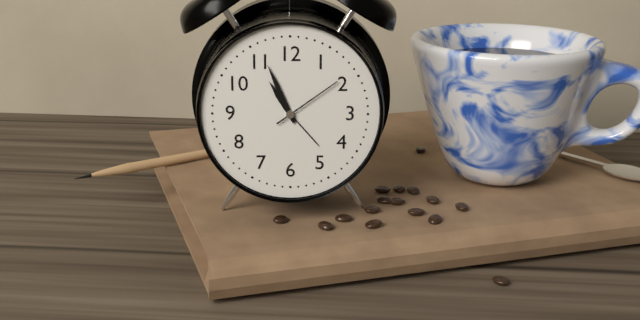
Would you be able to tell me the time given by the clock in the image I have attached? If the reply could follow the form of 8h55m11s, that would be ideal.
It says 10h56m09s
